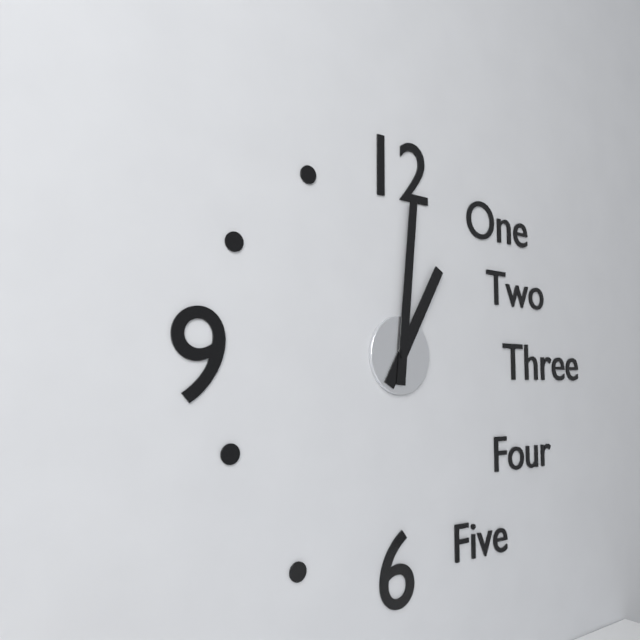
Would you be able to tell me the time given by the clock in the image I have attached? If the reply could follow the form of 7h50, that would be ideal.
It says 1h01
